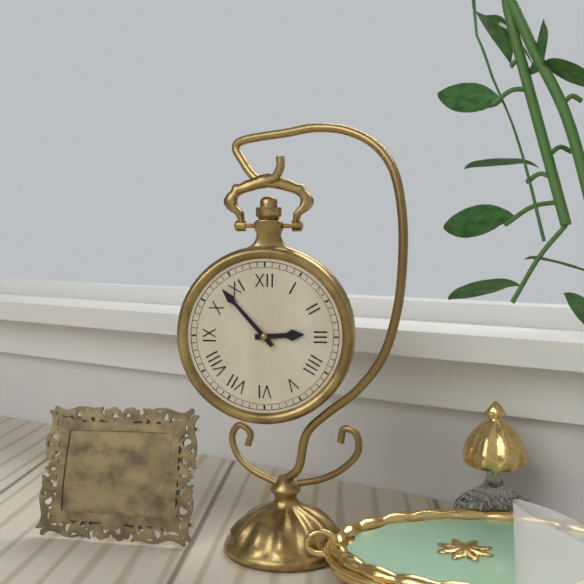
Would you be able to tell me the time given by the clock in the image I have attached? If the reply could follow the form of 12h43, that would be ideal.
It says 2h53
